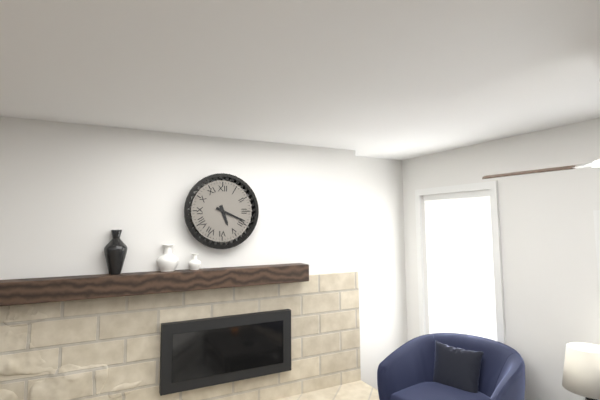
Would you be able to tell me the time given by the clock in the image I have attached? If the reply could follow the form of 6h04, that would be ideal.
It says 5h19
